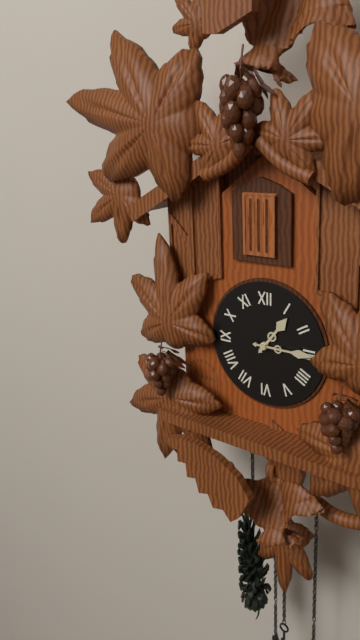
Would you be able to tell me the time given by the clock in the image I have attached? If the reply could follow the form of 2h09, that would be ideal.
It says 1h15
